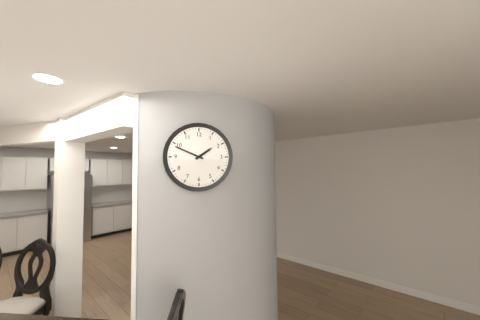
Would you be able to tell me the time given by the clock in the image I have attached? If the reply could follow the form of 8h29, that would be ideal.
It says 1h49
